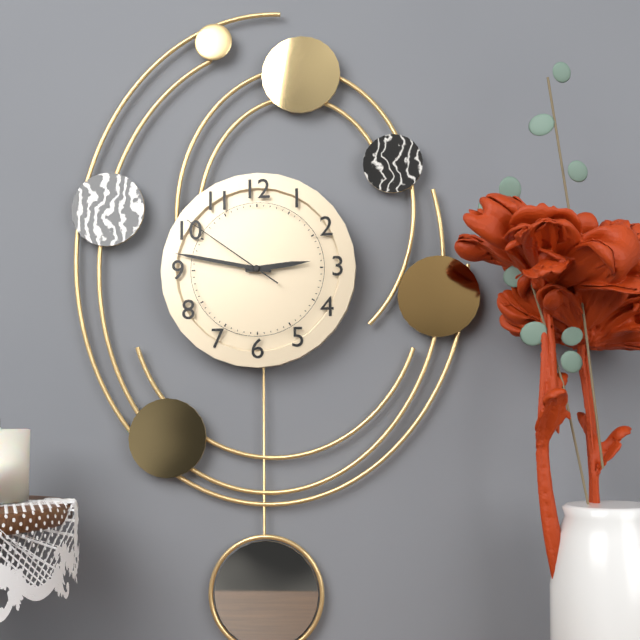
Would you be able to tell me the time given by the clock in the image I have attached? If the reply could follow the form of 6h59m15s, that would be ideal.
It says 2h47m51s
